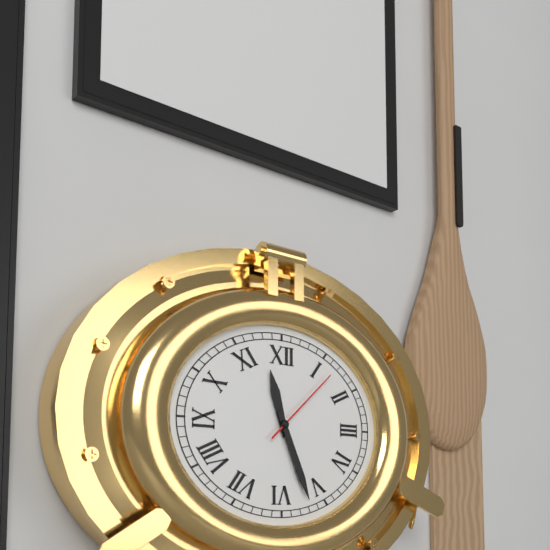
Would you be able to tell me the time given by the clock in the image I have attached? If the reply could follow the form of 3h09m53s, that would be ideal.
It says 11h26m08s
